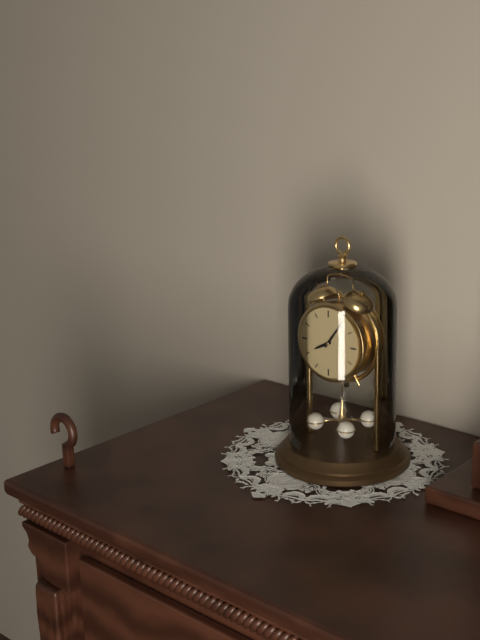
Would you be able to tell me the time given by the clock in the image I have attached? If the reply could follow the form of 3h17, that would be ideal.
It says 8h06
